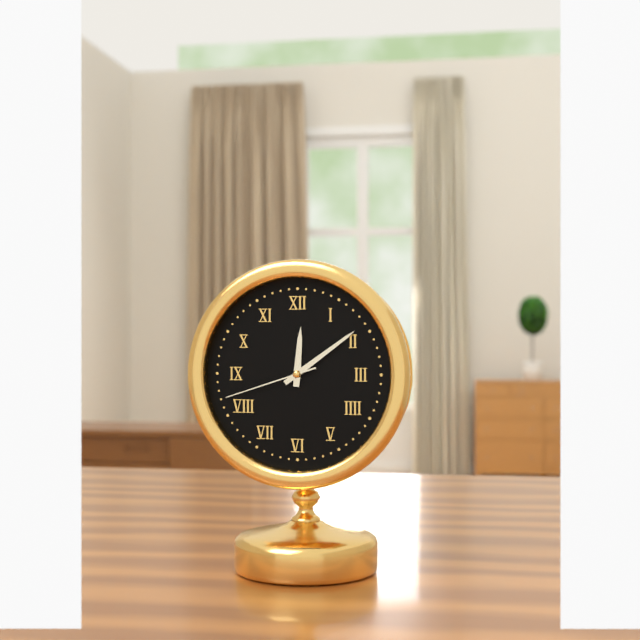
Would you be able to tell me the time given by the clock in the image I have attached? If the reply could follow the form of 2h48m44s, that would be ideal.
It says 12h09m42s
